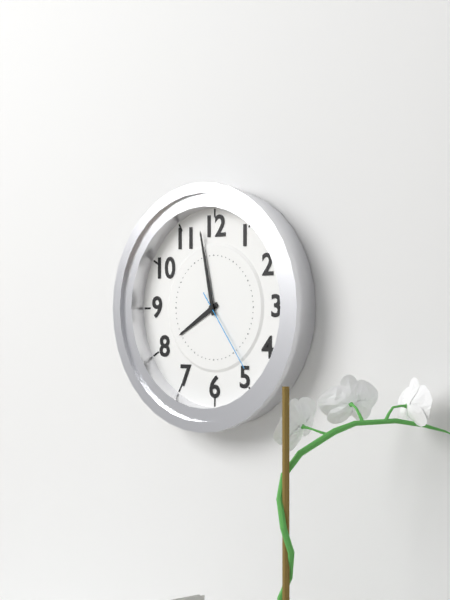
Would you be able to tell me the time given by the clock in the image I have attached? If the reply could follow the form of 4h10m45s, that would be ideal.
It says 7h58m24s
